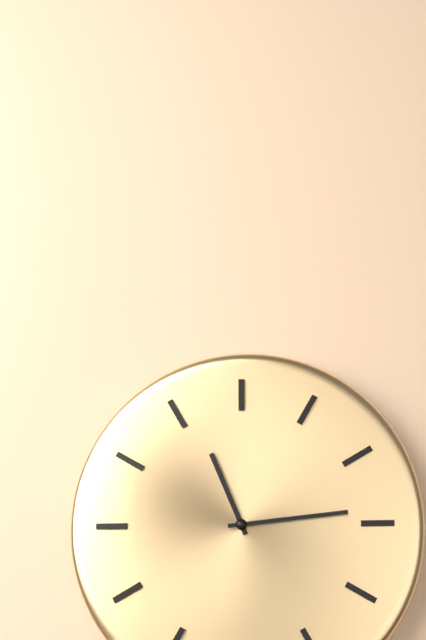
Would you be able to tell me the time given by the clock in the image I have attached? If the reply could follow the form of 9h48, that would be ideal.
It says 11h14
